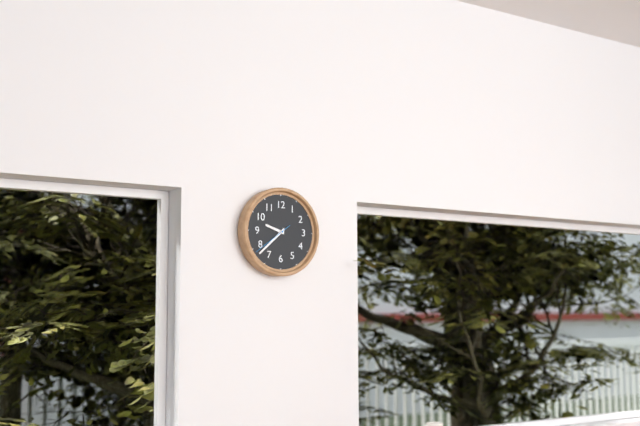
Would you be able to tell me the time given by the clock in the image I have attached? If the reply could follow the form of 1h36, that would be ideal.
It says 9h38
